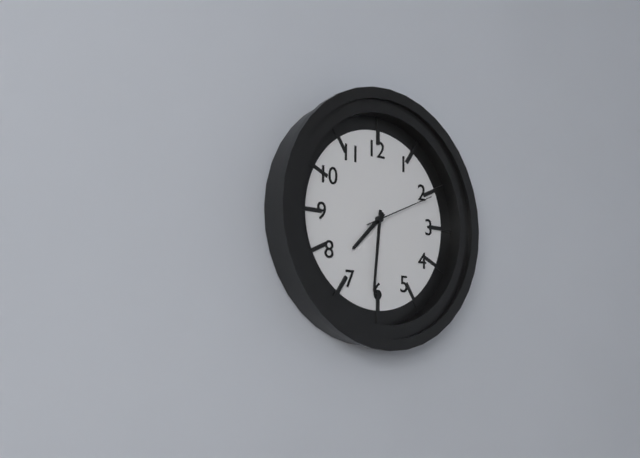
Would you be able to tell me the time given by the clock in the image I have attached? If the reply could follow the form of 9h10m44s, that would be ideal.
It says 7h31m11s
